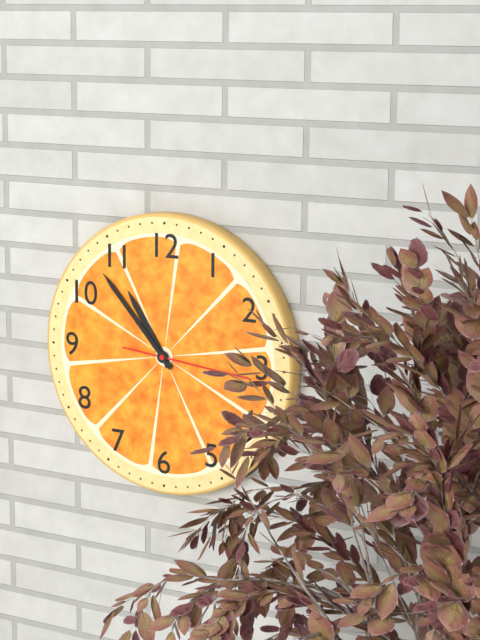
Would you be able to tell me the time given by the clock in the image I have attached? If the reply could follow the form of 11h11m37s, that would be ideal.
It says 10h53m16s
